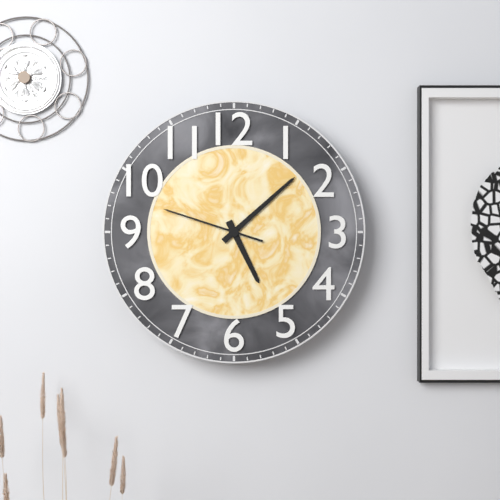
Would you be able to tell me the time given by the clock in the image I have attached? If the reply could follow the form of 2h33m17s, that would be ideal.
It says 5h08m48s
